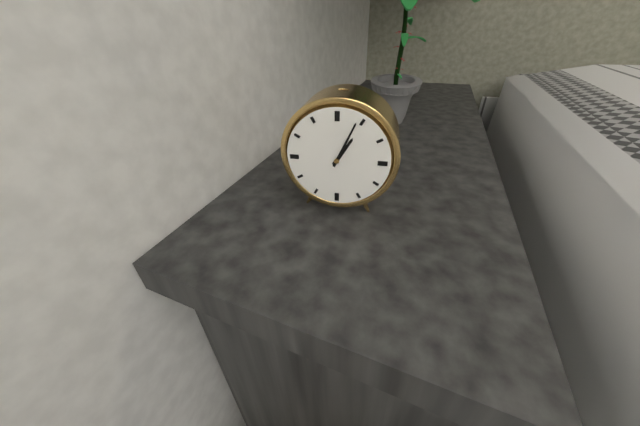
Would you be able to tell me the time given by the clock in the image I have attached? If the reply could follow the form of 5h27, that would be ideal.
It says 1h04
